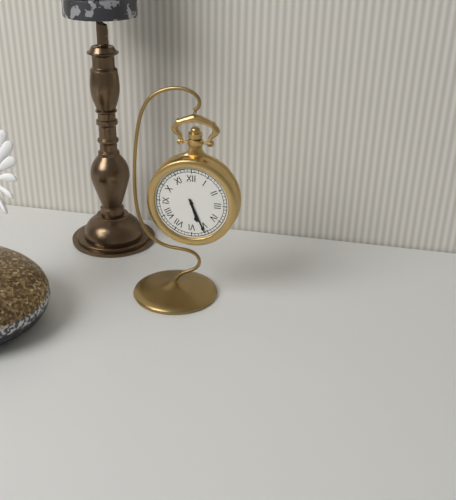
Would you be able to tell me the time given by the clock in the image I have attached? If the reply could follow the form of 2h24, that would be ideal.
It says 5h26
